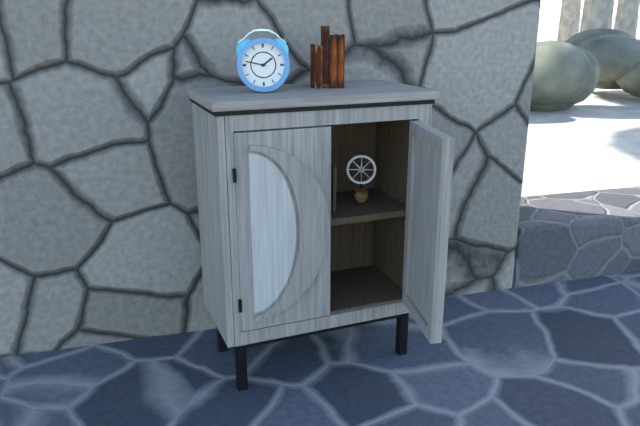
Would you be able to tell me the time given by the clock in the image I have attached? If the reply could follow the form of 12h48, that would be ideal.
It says 1h47
